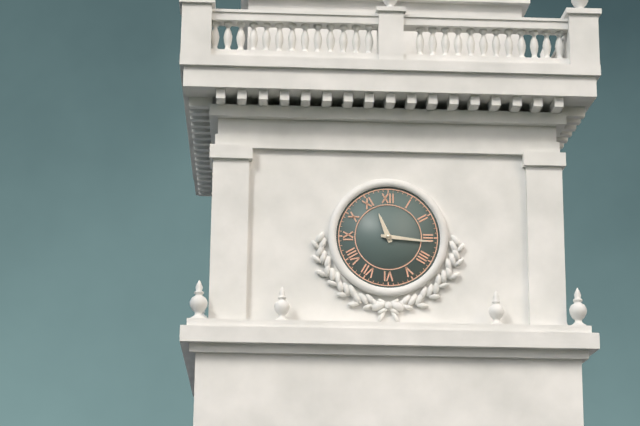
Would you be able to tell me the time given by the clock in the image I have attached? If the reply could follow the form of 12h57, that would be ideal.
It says 11h16
